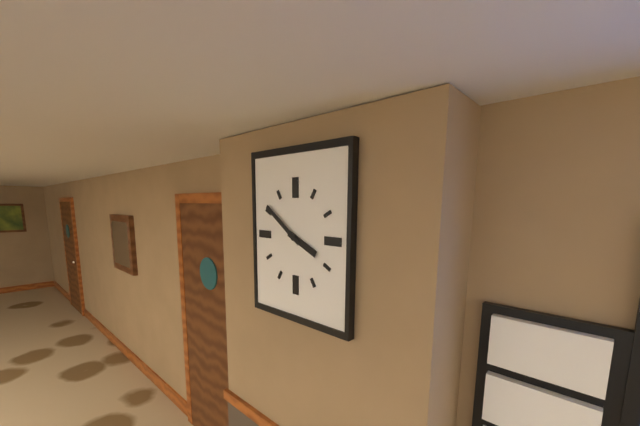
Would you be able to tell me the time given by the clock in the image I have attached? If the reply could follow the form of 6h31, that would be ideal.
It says 3h51
